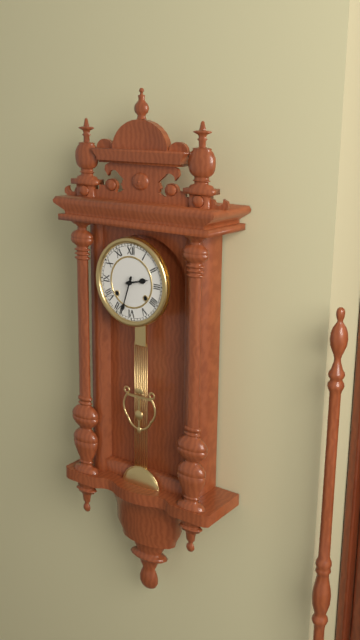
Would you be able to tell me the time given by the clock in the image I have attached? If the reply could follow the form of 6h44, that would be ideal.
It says 2h33
